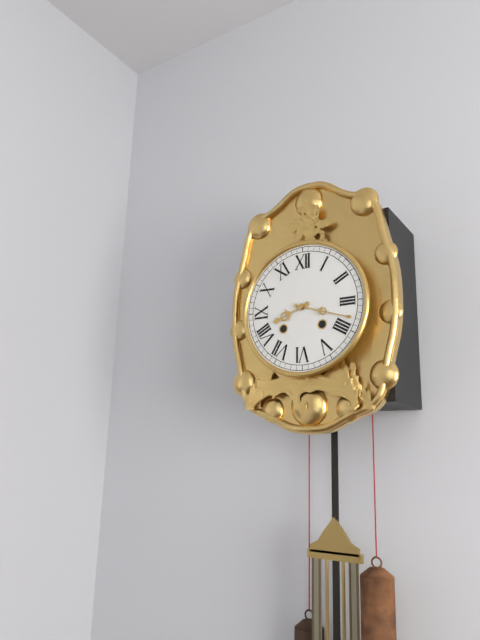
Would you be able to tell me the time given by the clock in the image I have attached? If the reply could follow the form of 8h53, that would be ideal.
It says 8h18
